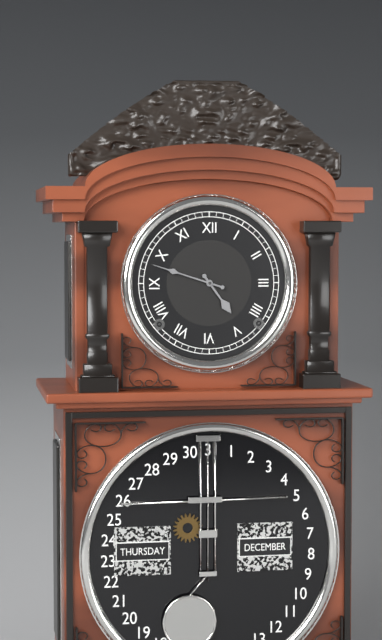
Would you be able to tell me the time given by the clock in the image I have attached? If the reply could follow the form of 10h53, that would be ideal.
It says 4h48
